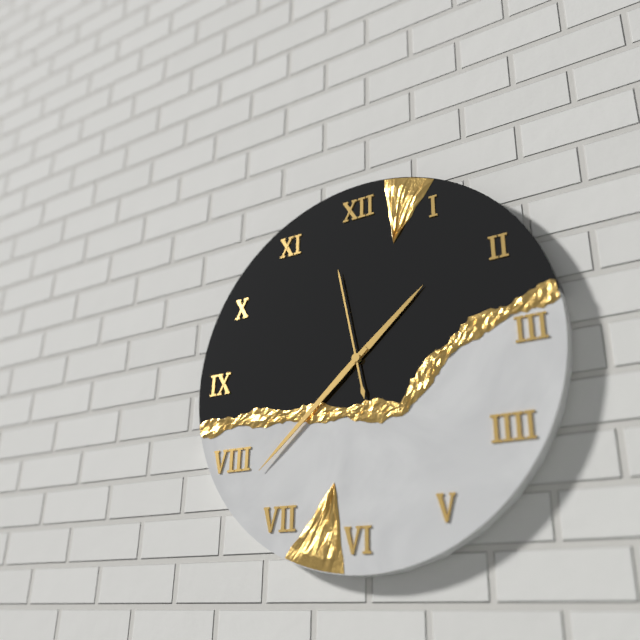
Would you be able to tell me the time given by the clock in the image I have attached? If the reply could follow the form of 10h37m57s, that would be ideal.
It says 1h38m58s
